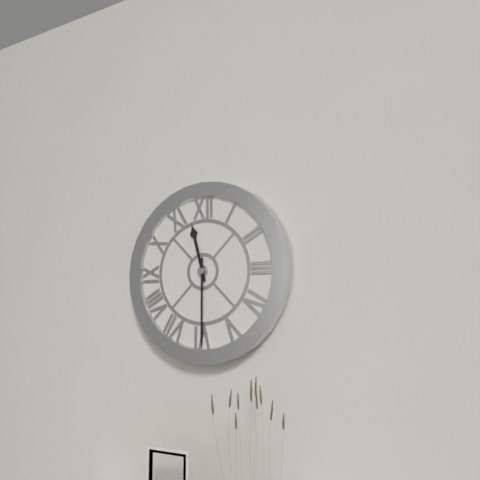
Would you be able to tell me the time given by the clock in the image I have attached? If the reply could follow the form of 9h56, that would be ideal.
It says 11h30
